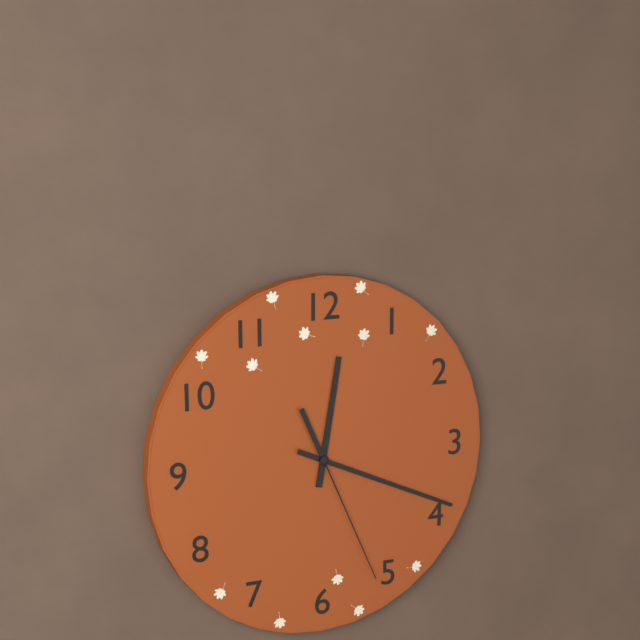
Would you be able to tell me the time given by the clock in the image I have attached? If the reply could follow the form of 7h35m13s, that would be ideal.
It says 12h19m26s
